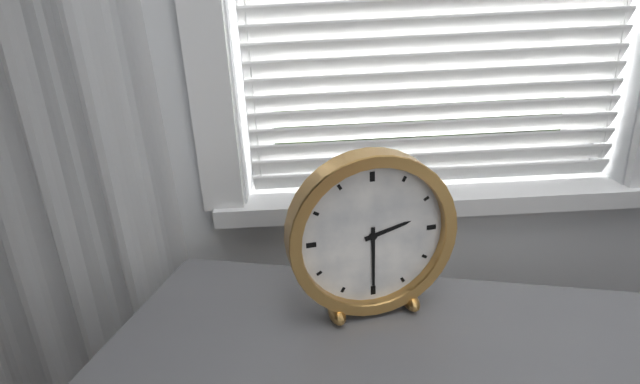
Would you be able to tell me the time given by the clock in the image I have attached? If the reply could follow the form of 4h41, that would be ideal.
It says 2h30
